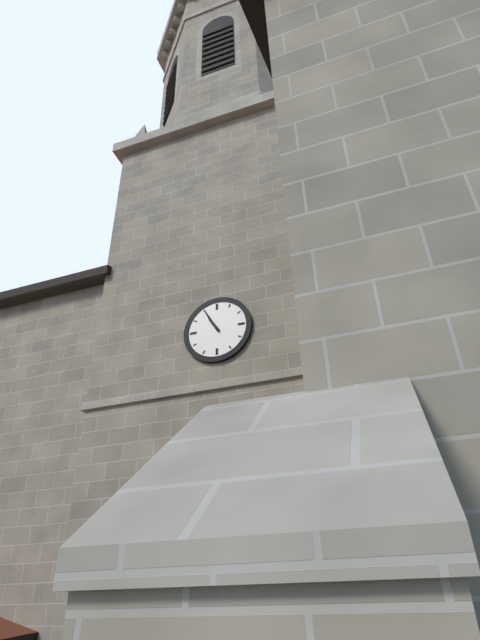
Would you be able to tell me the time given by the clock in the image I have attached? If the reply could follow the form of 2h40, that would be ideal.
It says 10h55
